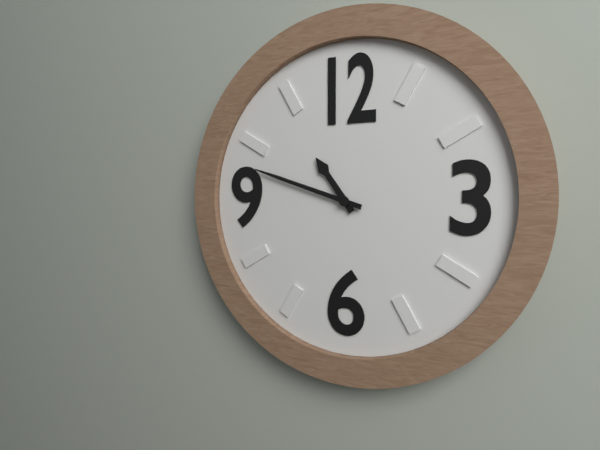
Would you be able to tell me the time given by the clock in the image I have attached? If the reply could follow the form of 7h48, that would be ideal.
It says 10h48
